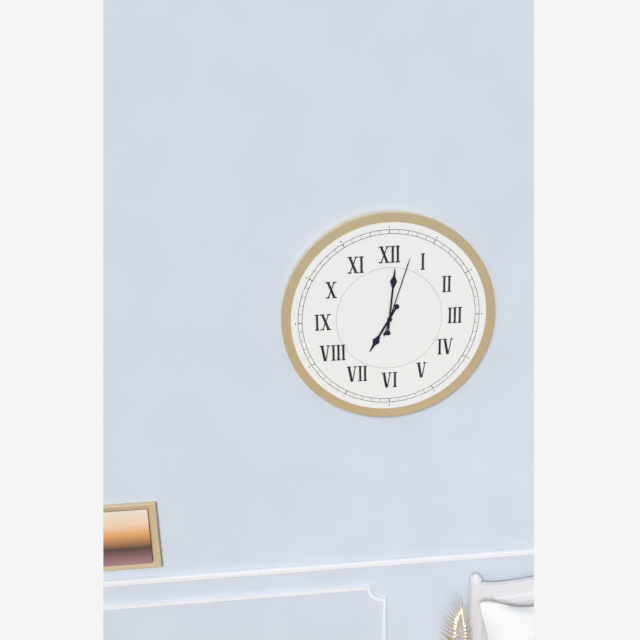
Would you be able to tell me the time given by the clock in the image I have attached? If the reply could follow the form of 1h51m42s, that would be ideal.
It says 7h01m03s
